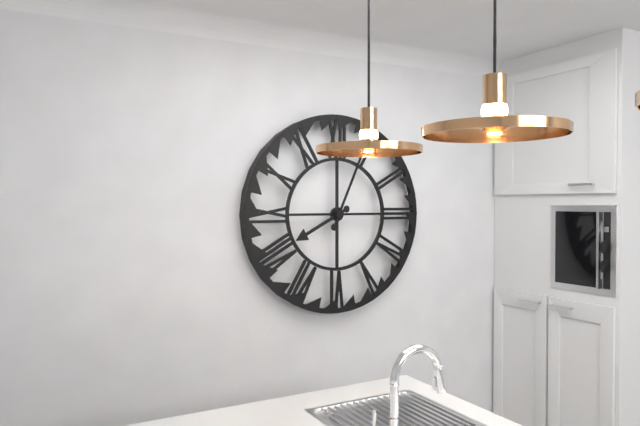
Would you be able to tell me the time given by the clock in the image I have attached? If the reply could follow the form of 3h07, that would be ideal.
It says 8h04
